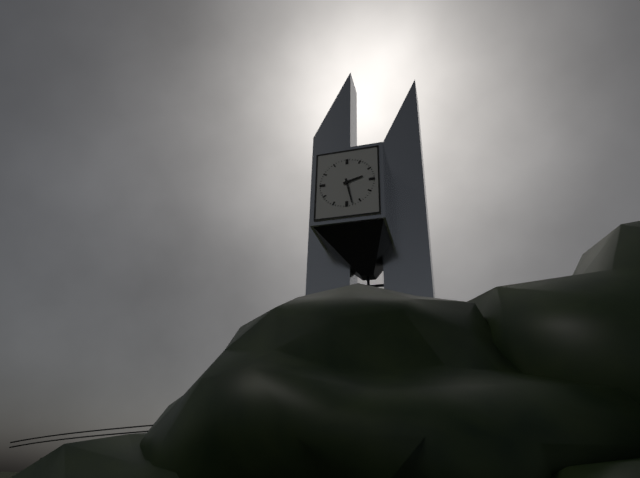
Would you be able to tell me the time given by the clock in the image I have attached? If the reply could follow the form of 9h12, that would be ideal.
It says 2h28
